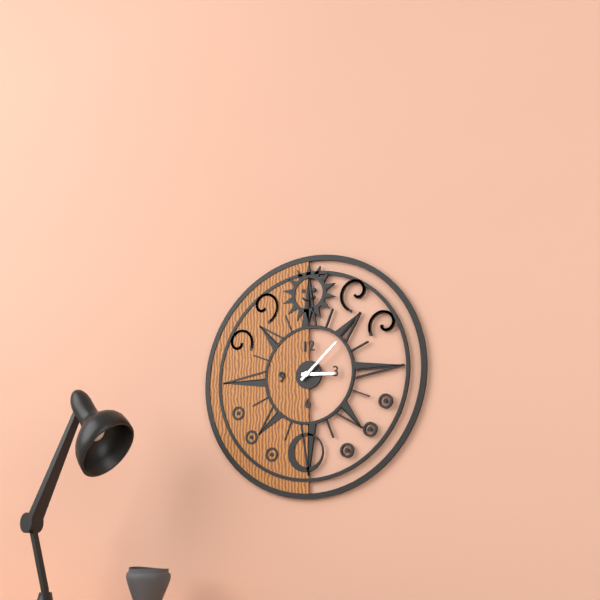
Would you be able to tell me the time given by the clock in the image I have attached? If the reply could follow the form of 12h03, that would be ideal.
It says 3h08
